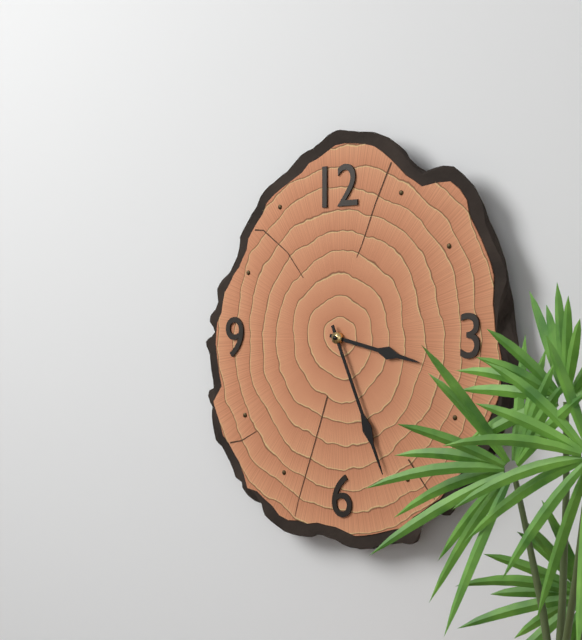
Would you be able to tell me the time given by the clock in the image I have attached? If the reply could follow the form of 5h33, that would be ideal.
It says 3h26
